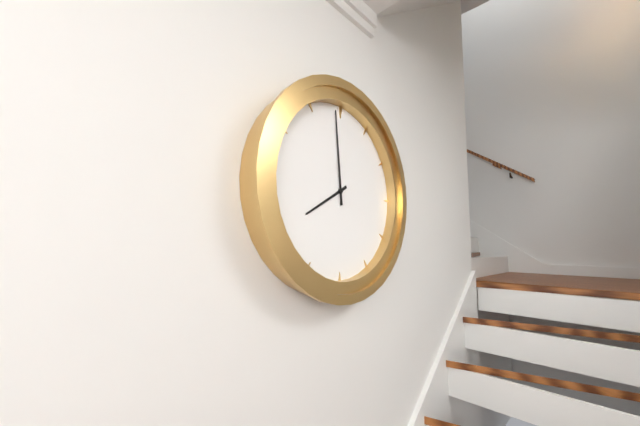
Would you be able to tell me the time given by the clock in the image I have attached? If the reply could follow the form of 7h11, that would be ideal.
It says 7h59
